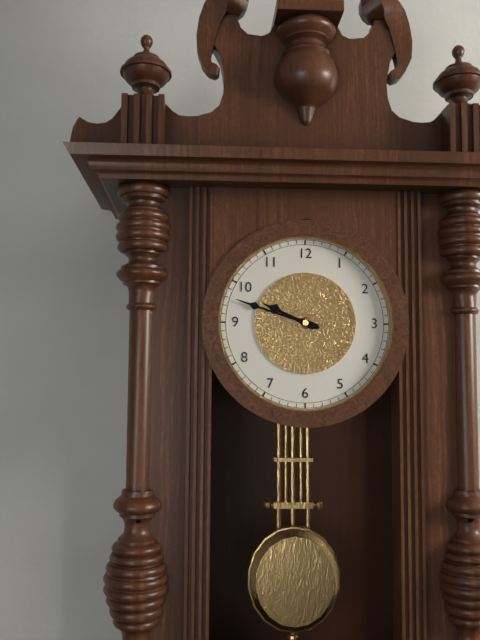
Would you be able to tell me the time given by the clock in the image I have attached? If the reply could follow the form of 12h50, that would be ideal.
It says 9h48
